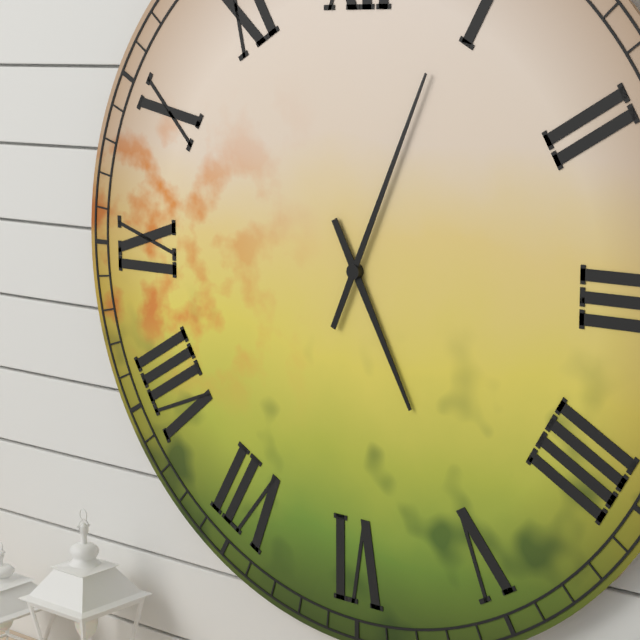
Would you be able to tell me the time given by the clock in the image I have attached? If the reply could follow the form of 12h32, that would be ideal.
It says 5h04
